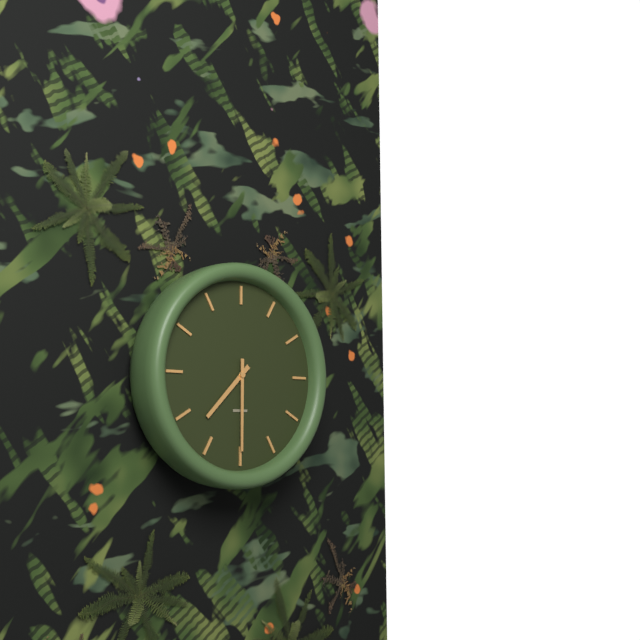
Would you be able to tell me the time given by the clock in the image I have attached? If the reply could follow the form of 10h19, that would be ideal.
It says 7h30
